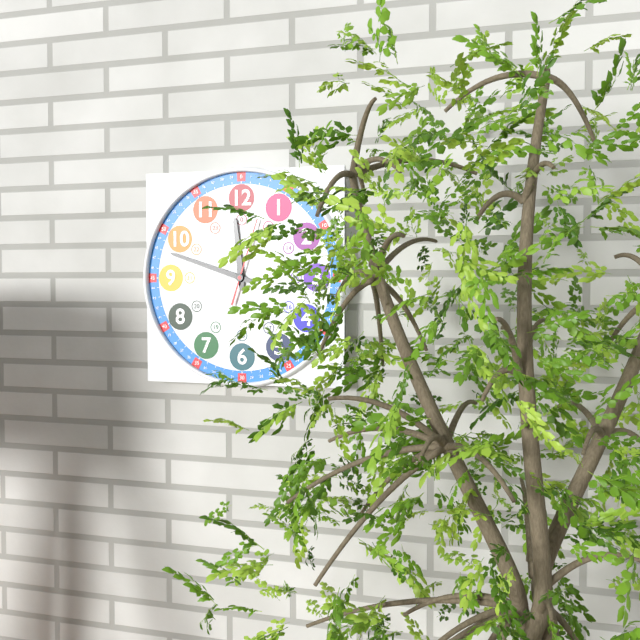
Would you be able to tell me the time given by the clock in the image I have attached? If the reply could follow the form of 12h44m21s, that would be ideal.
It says 11h48m03s
